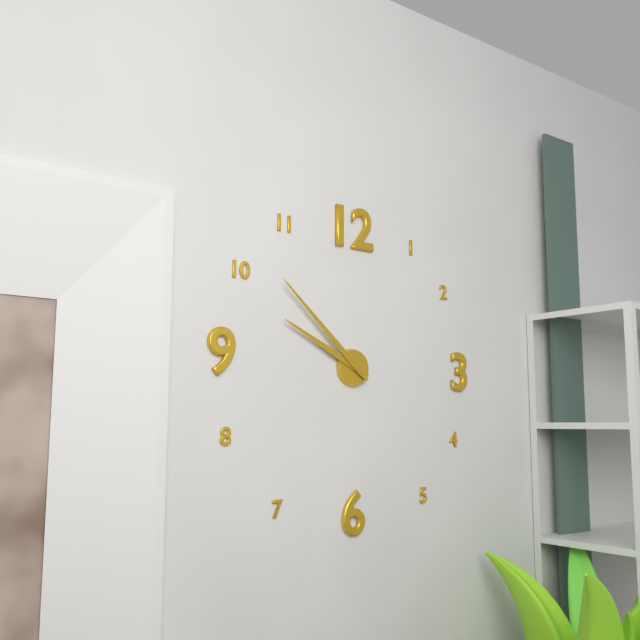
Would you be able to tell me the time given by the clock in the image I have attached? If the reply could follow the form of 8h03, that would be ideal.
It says 9h52
